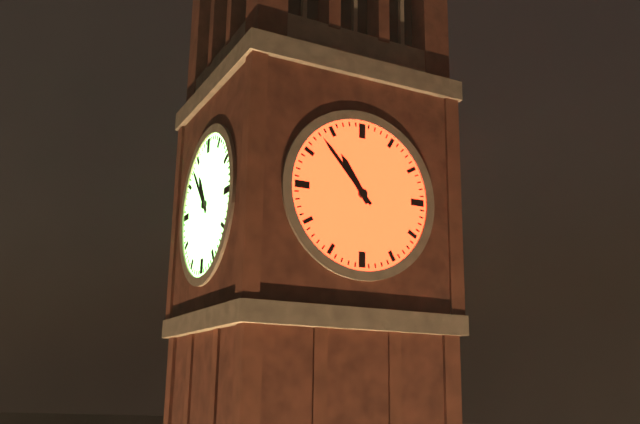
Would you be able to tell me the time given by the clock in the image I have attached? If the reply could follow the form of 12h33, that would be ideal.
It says 10h53
